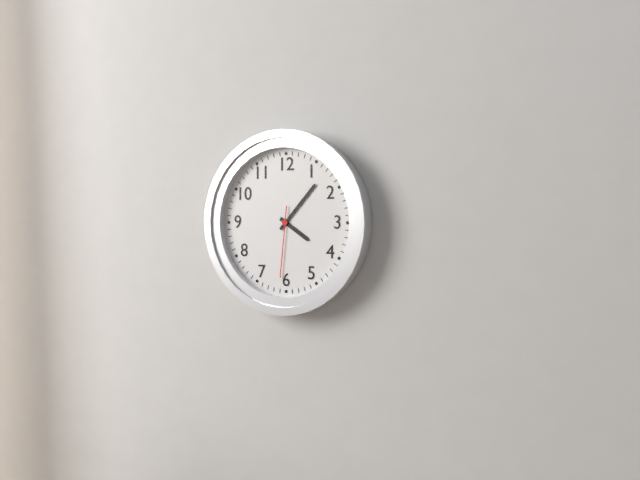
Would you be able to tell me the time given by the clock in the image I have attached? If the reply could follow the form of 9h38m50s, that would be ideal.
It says 4h07m31s
